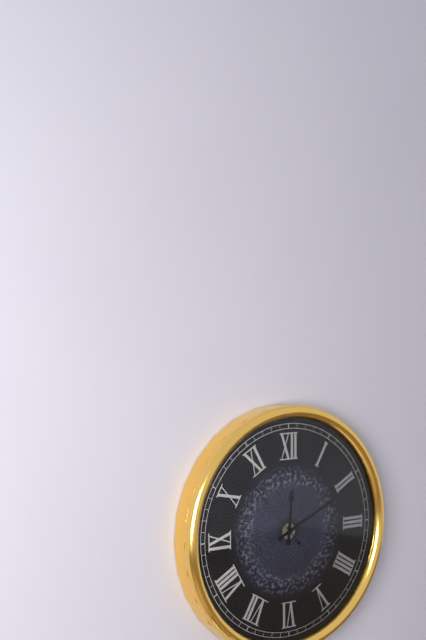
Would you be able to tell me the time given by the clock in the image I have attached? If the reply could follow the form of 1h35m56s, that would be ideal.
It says 12h11m53s
